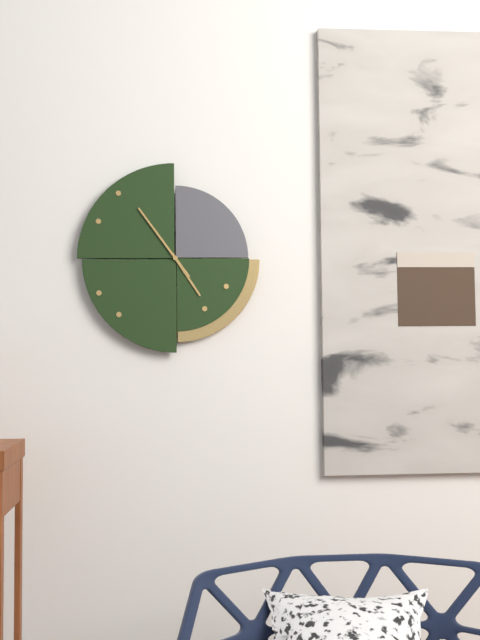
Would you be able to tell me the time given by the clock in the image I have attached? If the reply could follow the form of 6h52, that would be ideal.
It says 4h54
